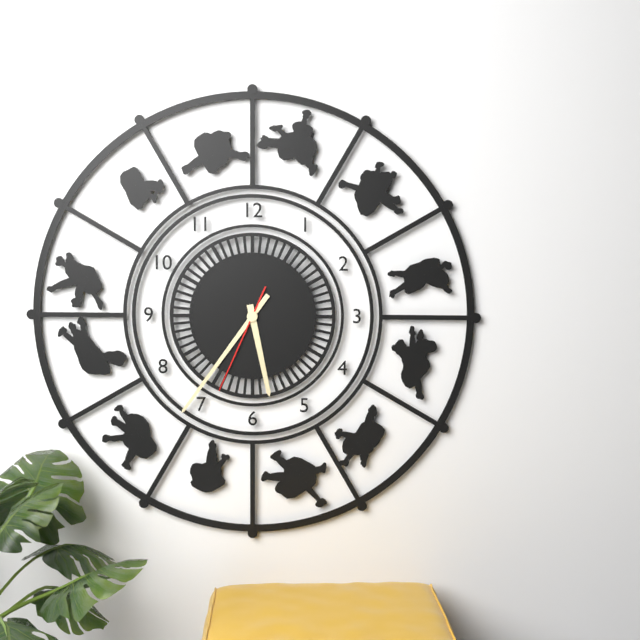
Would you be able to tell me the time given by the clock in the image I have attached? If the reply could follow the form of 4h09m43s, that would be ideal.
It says 5h36m34s
